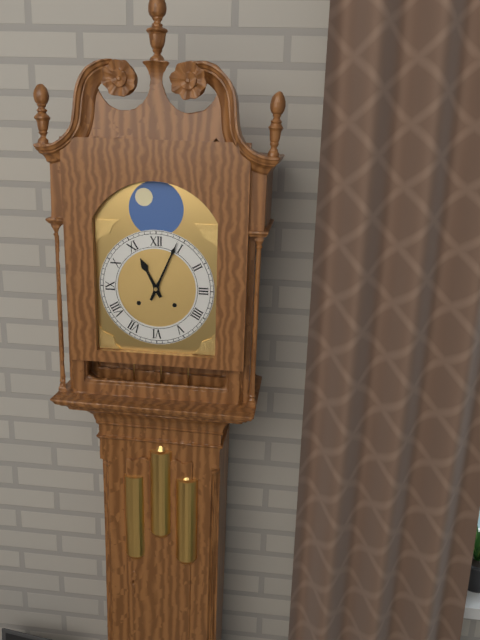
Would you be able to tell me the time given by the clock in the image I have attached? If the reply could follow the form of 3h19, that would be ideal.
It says 11h04
